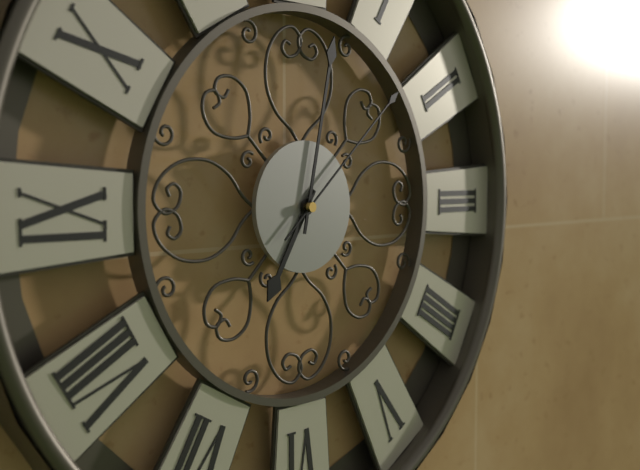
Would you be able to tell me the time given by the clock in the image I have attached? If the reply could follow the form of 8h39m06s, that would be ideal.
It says 7h02m08s
